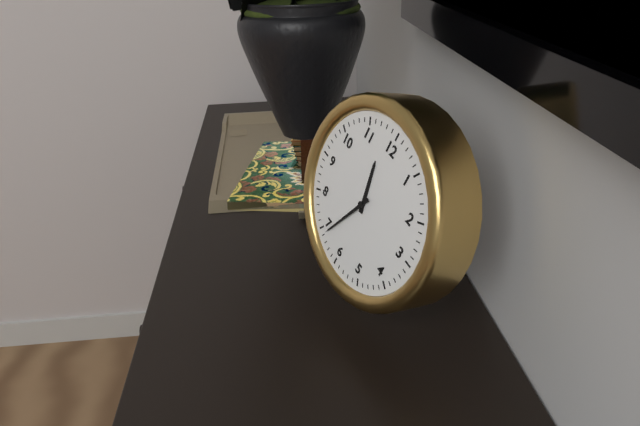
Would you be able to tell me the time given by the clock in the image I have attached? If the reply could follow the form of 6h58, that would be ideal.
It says 11h34
